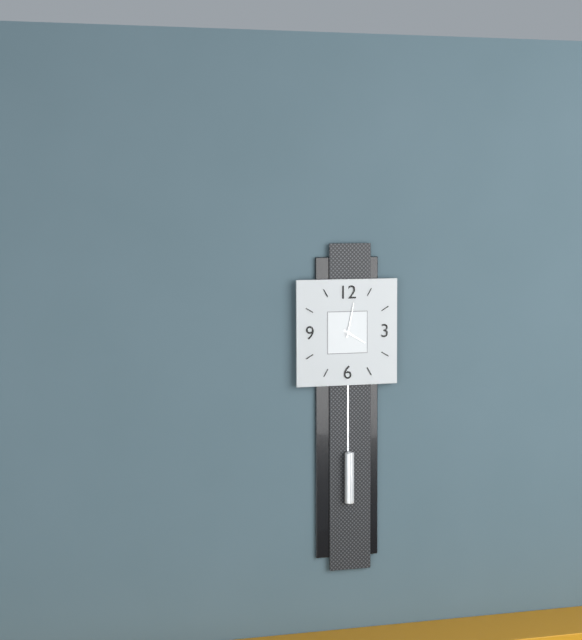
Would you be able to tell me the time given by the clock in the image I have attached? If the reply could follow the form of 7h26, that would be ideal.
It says 4h02
